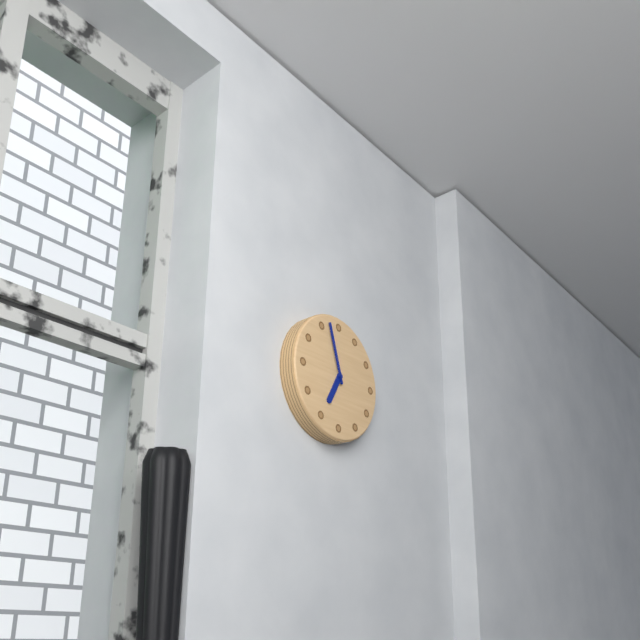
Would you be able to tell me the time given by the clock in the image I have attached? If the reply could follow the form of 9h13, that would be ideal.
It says 6h57
